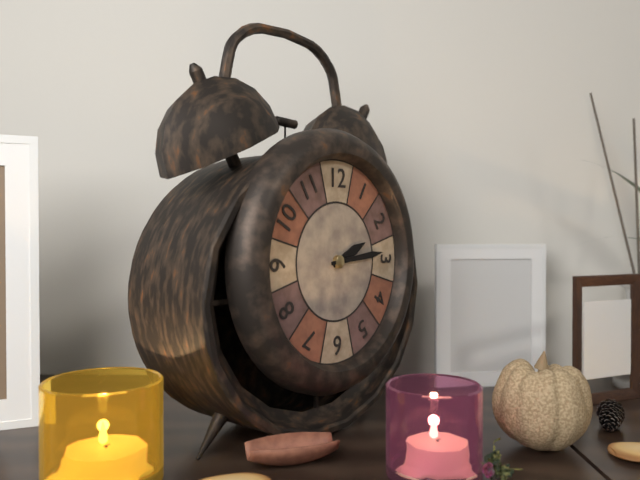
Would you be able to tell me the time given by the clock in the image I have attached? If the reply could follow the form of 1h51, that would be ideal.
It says 2h14
